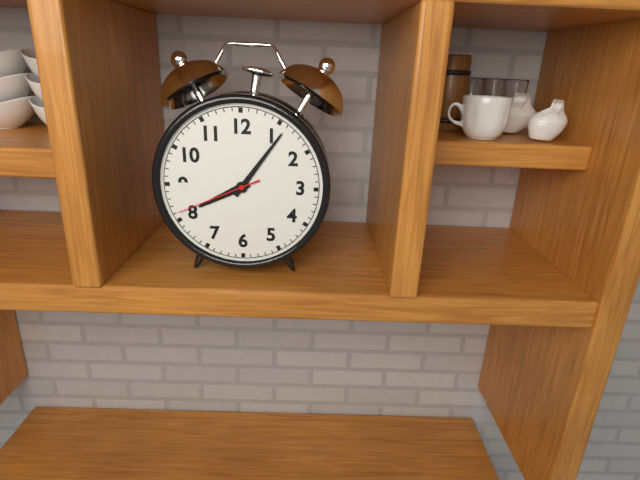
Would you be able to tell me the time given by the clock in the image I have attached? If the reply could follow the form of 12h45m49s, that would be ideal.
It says 8h06m41s
